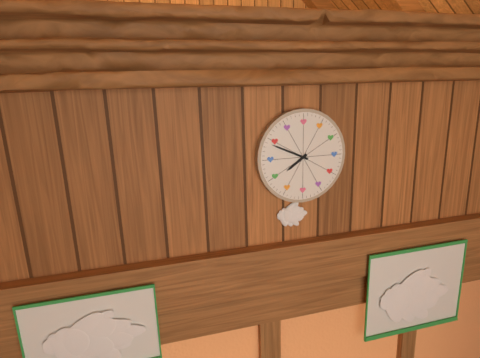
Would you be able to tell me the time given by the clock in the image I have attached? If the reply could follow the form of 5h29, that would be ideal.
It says 7h49
